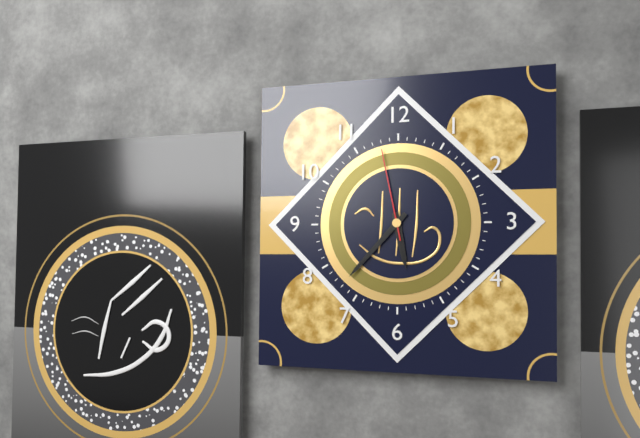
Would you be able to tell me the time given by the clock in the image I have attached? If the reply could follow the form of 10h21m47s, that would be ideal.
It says 5h37m58s
